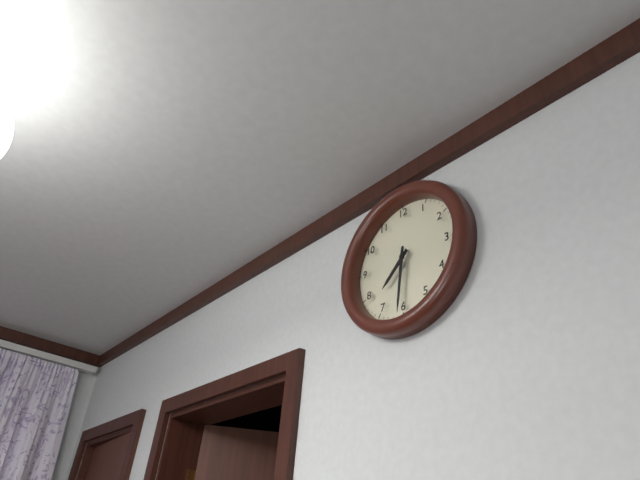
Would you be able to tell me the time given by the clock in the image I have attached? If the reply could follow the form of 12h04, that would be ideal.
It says 7h31
